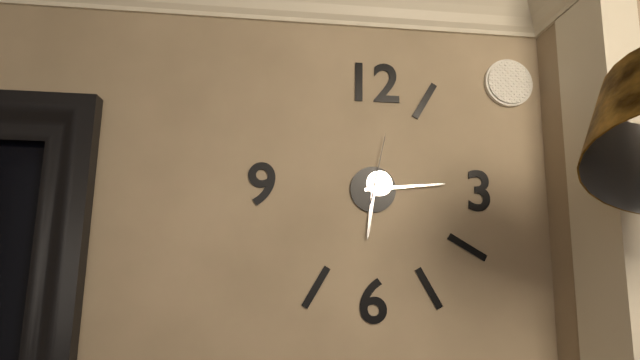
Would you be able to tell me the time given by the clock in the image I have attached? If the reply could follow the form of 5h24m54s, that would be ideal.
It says 6h14m02s
